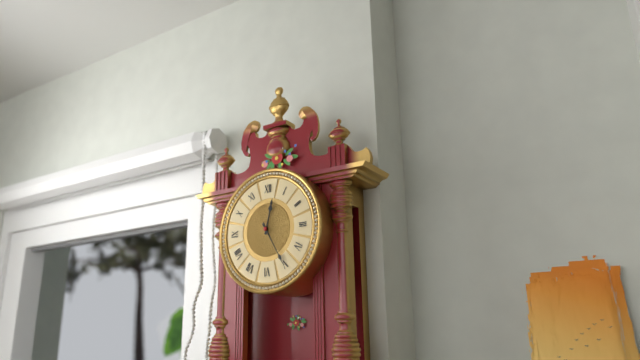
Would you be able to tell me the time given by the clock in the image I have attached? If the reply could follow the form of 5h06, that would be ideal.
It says 12h25
